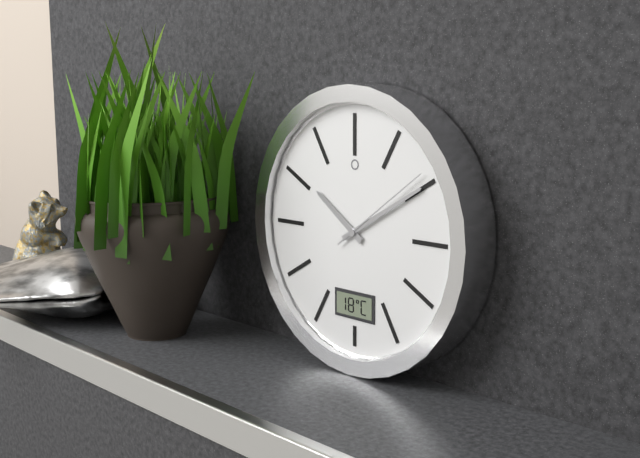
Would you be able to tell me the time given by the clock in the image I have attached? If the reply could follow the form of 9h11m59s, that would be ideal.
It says 10h10m09s
